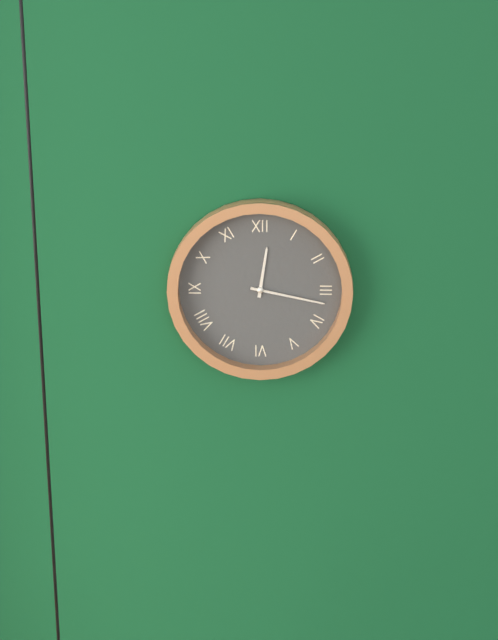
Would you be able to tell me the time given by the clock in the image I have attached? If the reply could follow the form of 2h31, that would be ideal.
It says 12h17
